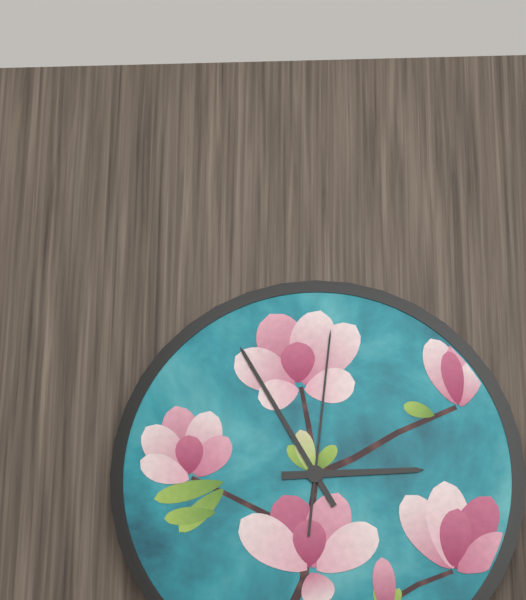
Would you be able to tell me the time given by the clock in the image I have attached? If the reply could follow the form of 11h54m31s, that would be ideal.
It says 2h55m01s
